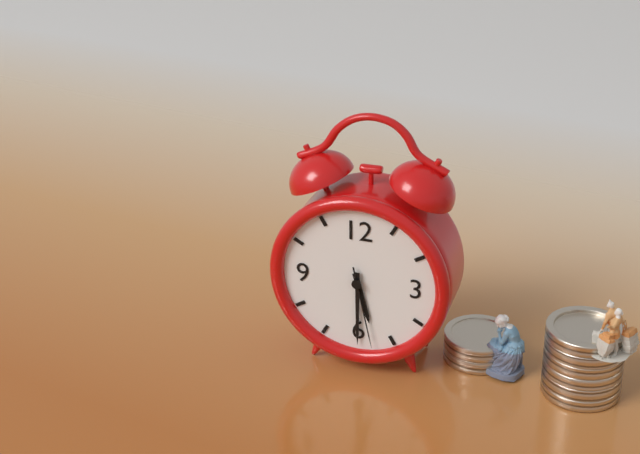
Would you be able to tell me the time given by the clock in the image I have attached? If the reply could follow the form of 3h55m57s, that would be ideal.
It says 5h30m28s
